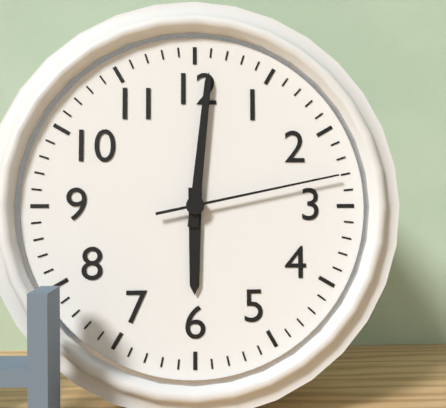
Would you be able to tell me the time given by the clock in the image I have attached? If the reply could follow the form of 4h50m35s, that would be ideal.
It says 6h01m13s
